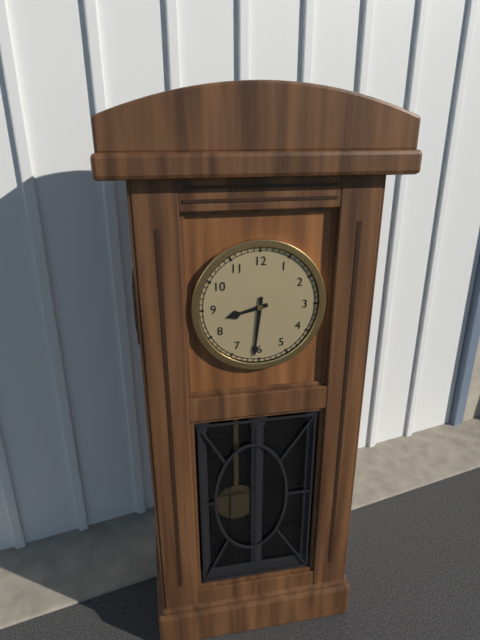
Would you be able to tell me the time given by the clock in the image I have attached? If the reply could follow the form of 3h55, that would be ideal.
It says 8h31
